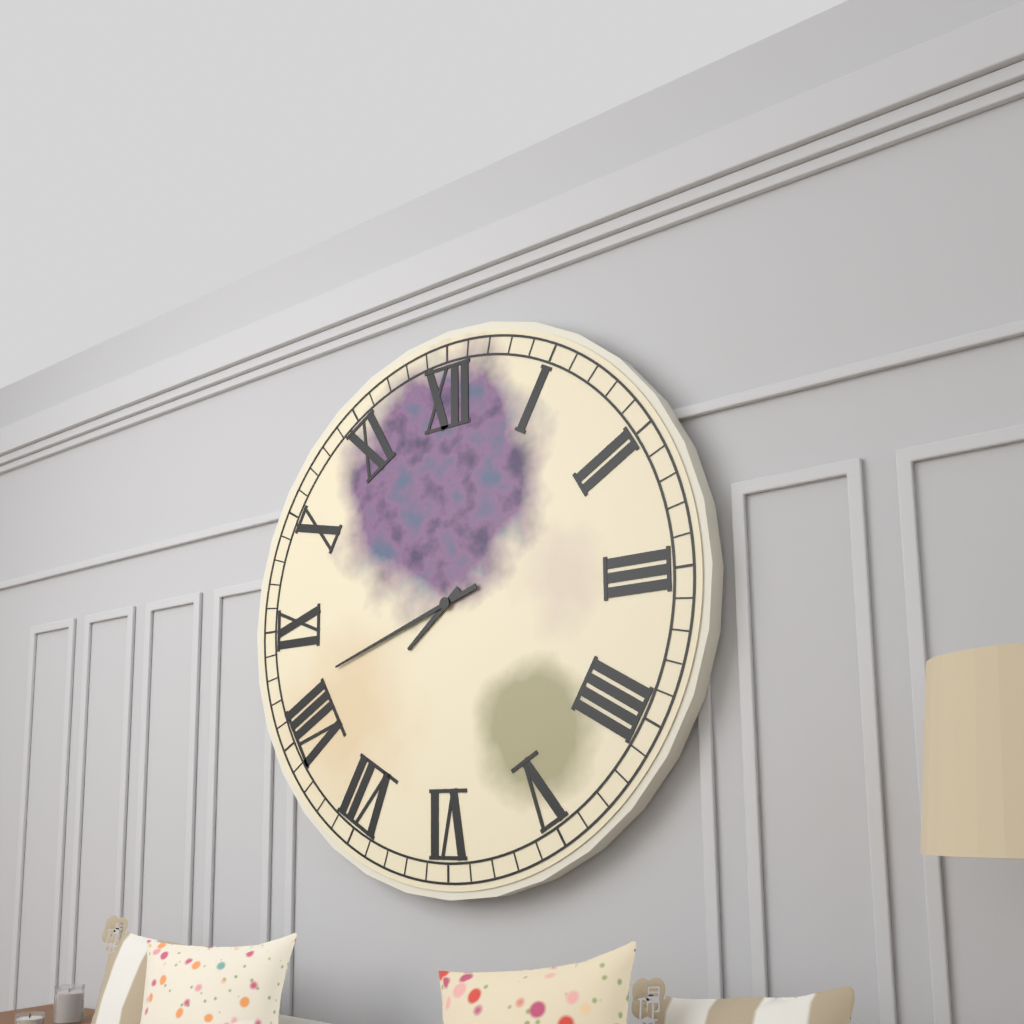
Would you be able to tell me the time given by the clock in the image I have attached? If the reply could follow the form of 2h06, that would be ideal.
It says 7h42
